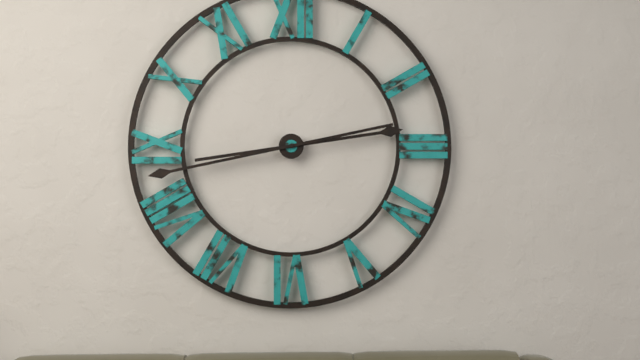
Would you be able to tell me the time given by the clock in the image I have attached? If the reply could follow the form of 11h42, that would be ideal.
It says 2h43
